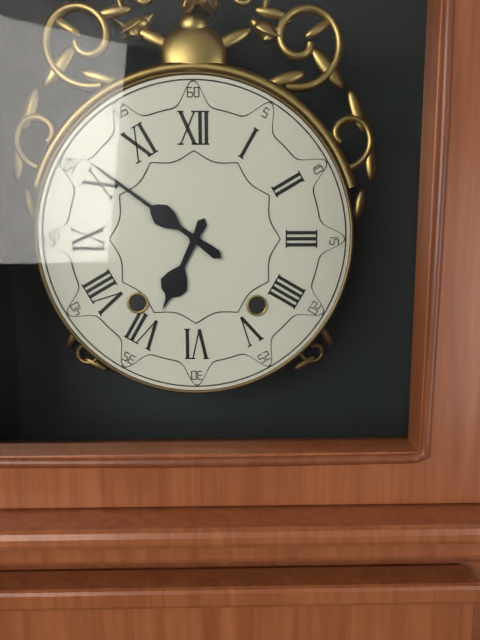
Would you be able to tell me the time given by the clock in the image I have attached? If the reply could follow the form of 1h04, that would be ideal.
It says 6h51
